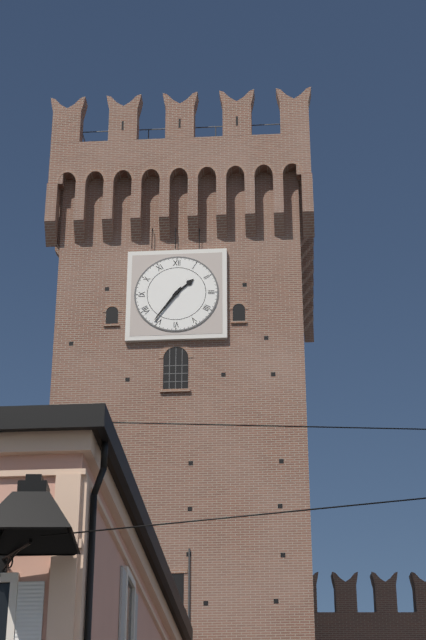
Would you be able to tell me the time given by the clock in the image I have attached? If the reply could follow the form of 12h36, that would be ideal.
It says 1h36
